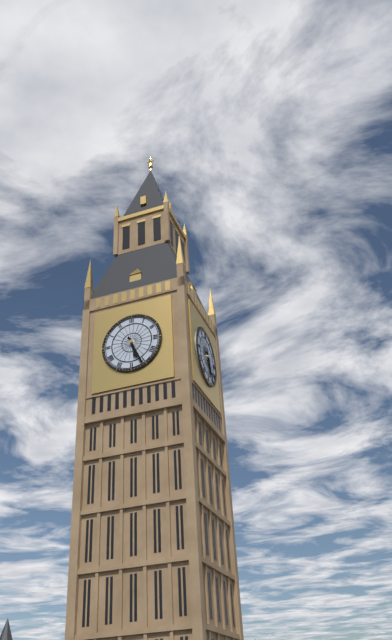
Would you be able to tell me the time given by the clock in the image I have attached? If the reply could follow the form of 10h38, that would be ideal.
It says 5h26
